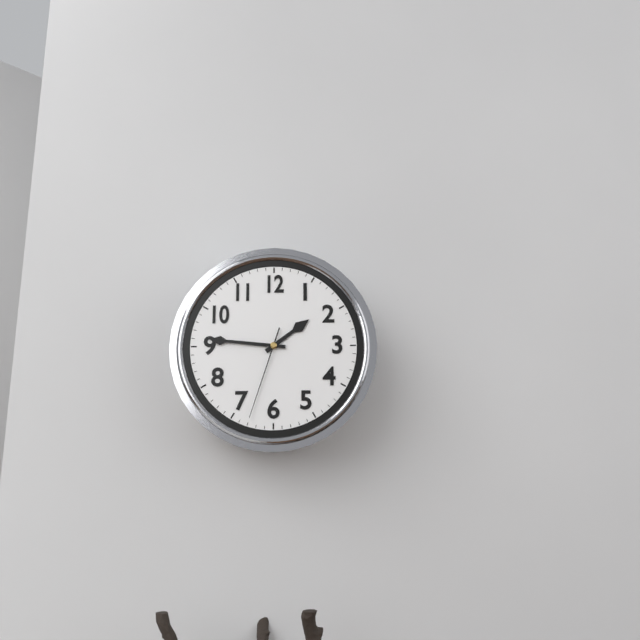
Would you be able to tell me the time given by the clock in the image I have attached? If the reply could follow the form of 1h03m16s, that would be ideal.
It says 1h46m33s
